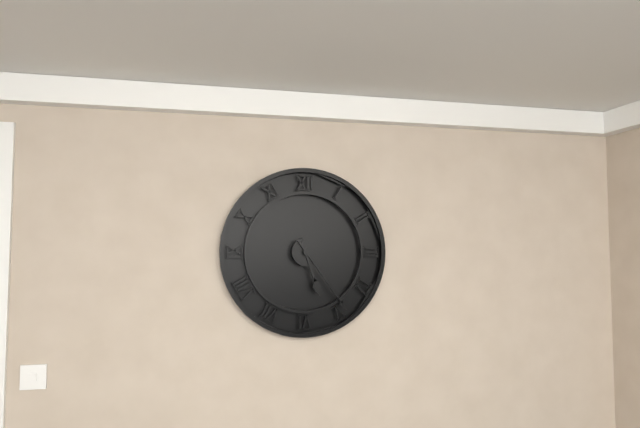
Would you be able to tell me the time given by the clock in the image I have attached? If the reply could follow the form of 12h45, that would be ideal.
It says 5h24
